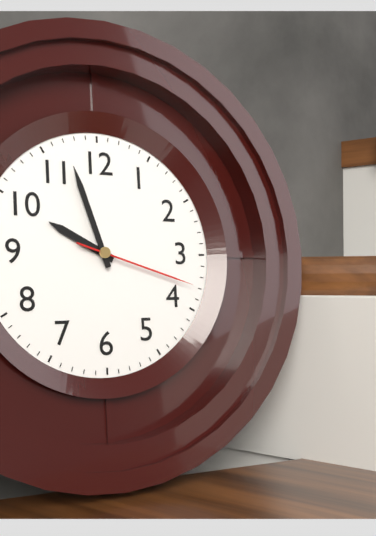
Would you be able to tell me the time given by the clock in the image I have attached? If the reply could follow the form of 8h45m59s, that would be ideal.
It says 9h57m18s
